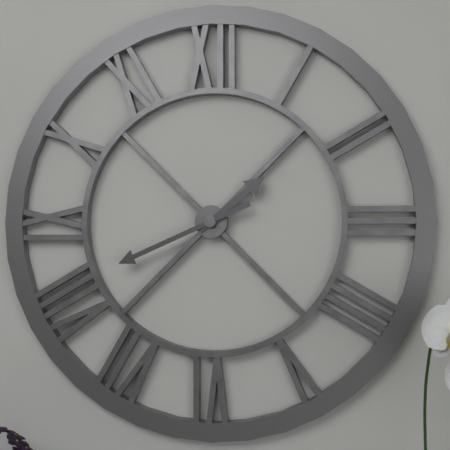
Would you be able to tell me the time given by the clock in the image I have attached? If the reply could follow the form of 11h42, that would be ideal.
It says 1h41
